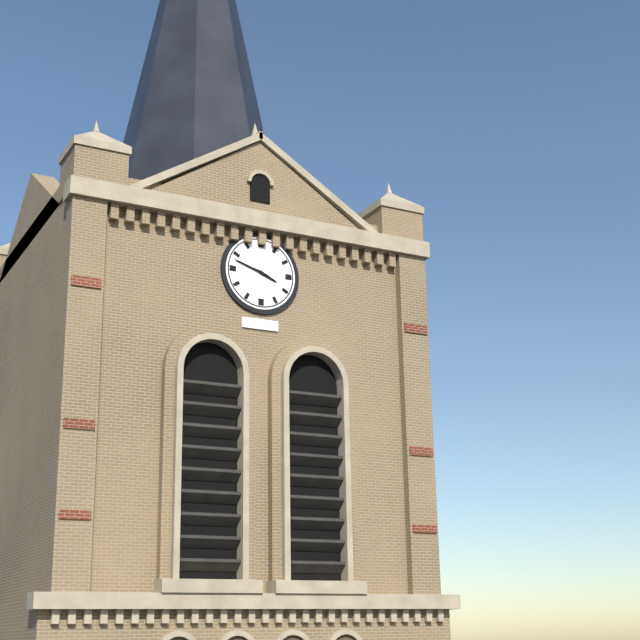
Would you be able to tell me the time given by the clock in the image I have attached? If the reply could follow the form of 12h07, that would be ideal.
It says 3h48
